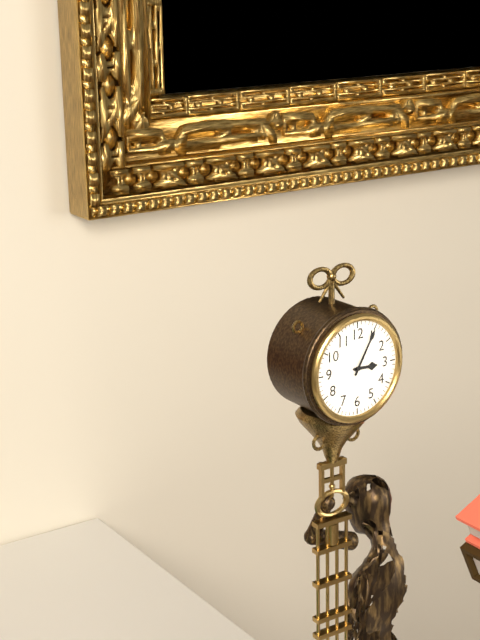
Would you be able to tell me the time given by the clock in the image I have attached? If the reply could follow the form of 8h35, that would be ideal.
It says 3h05
